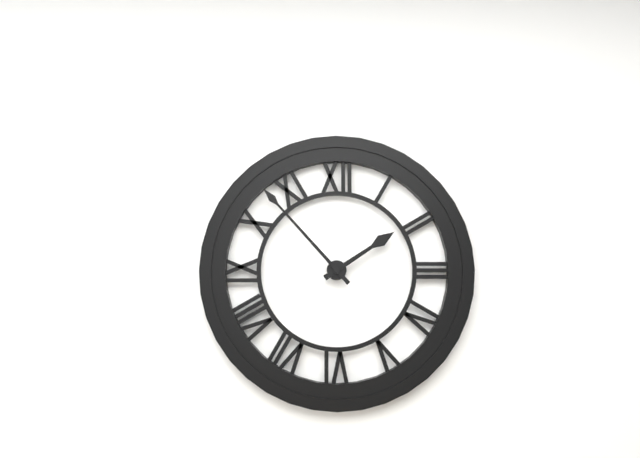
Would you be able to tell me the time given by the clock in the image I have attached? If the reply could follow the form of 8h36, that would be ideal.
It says 1h53
